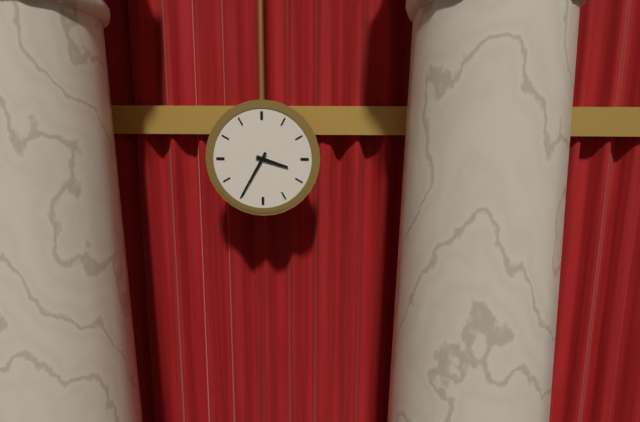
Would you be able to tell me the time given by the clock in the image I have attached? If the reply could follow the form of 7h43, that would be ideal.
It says 3h35
